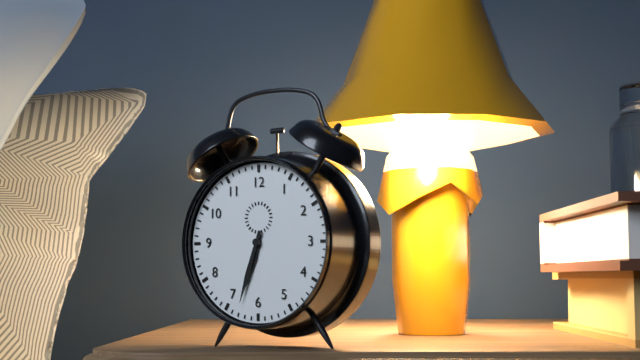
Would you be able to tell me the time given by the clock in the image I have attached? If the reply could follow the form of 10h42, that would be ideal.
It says 6h33
